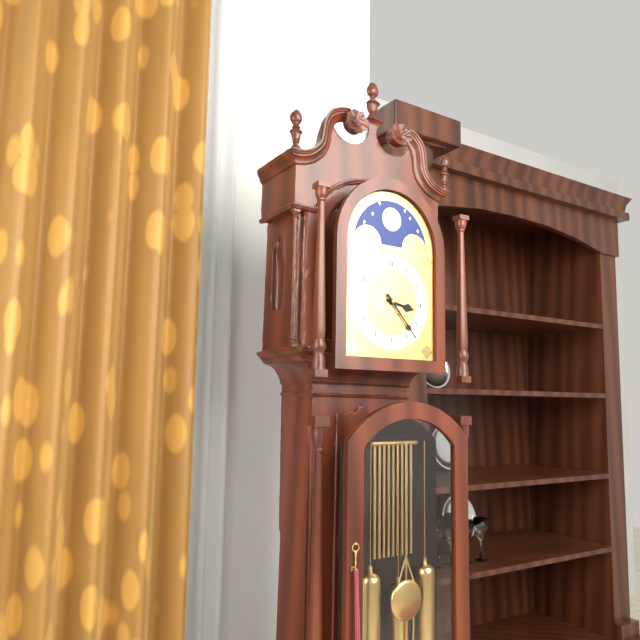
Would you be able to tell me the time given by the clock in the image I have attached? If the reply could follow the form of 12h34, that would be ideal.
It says 3h23
